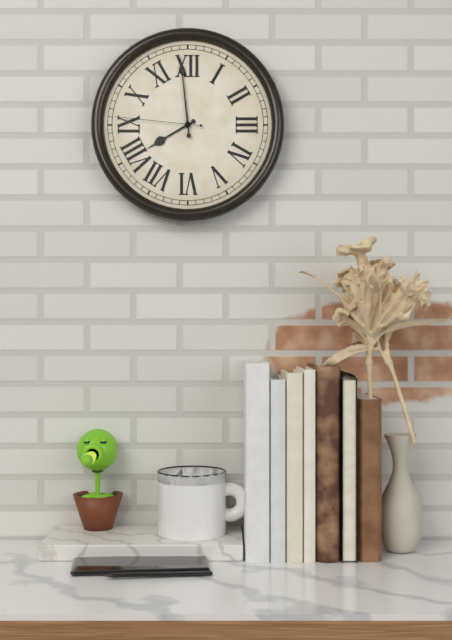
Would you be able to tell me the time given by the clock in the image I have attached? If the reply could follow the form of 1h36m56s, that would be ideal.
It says 7h59m46s
